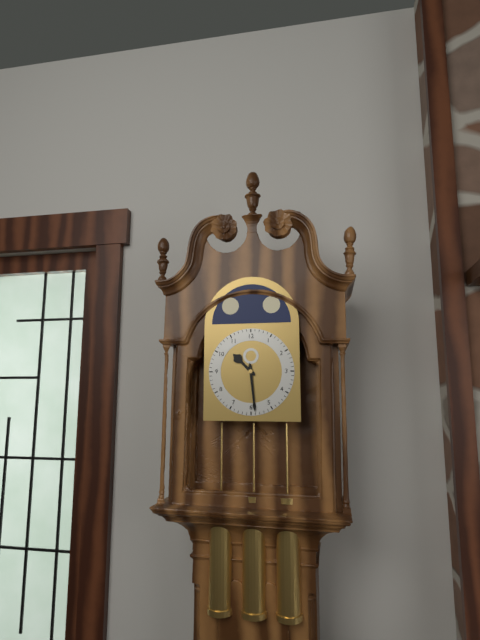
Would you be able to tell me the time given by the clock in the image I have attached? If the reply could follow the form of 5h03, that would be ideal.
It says 10h29
